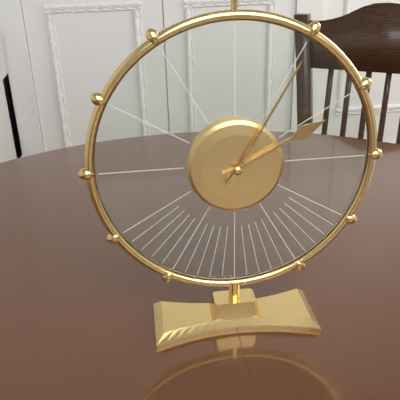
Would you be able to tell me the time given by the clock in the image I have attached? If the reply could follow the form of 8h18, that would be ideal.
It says 2h05
